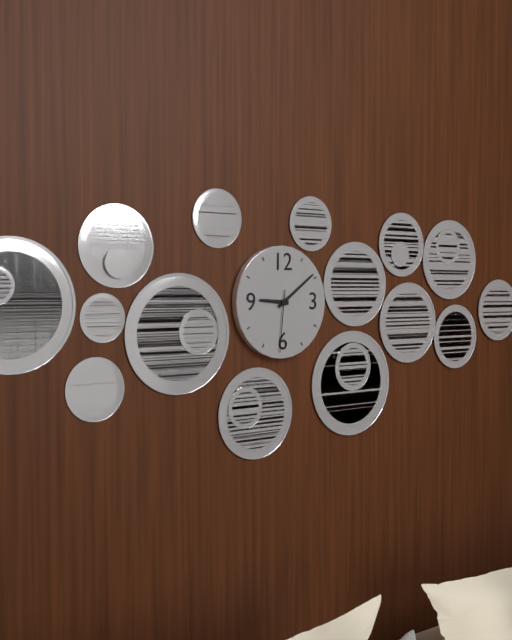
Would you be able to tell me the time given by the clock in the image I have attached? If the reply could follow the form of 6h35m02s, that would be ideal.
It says 9h09m31s
